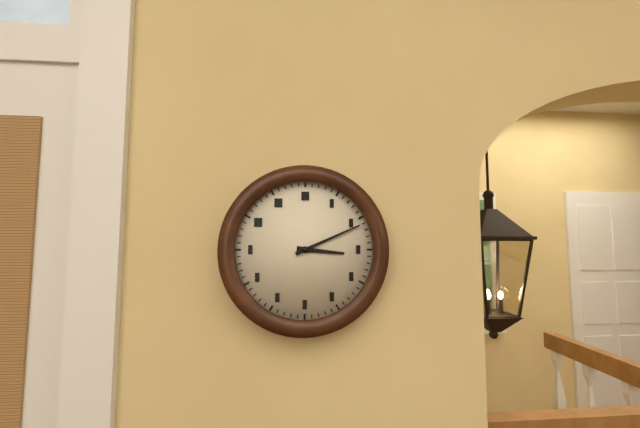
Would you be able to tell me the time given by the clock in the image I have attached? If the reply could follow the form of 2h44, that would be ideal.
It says 3h11
